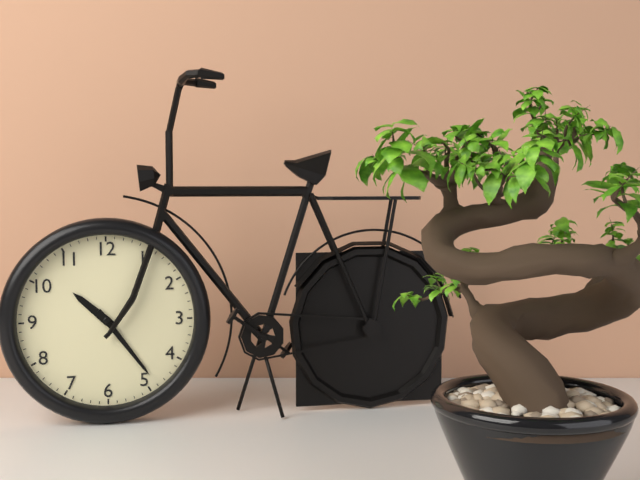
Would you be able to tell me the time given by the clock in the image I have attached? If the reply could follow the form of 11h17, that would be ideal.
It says 10h24
